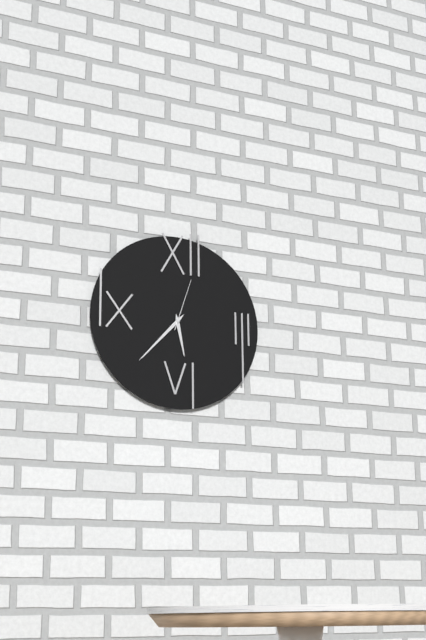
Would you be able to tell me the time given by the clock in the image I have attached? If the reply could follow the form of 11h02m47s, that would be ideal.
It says 5h37m03s
